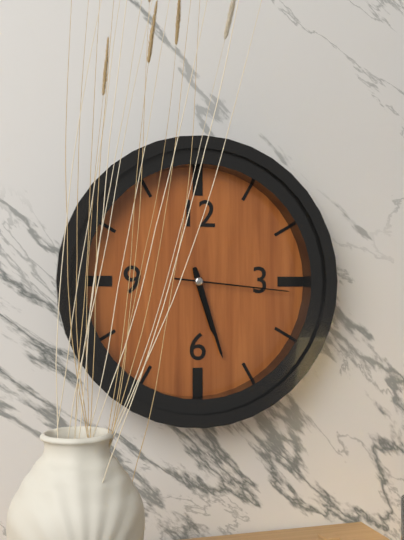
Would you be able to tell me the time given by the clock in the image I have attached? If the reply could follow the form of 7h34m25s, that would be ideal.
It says 5h27m16s
